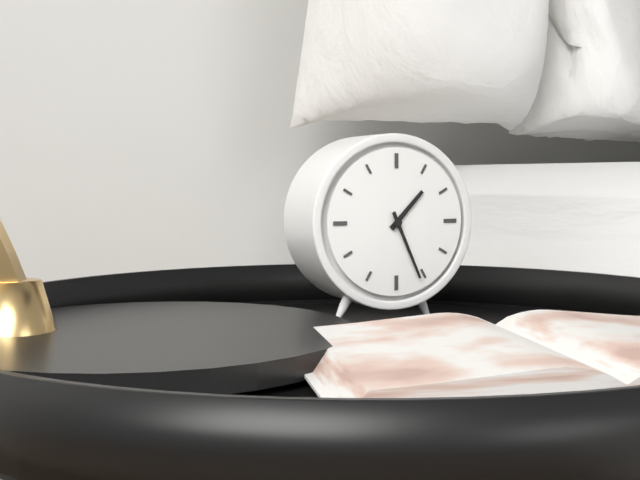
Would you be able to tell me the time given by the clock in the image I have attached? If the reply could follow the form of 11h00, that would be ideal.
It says 1h26
